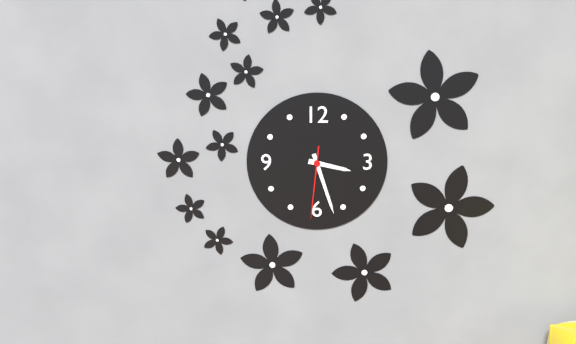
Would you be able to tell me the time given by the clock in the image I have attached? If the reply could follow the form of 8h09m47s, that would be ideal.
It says 3h27m31s
